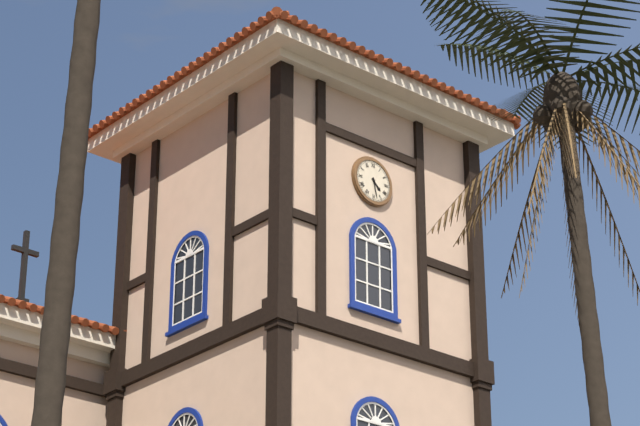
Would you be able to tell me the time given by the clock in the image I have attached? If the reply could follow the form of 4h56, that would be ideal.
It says 4h28
